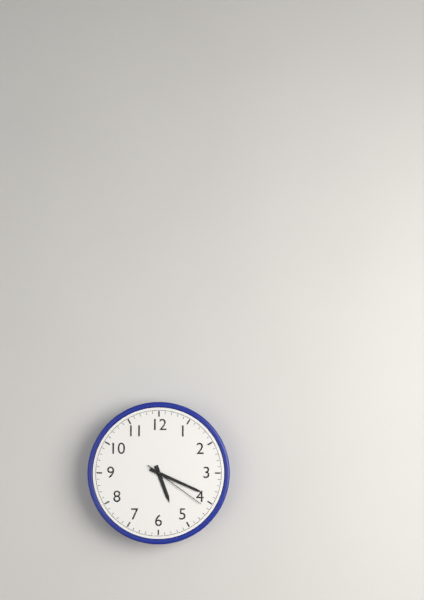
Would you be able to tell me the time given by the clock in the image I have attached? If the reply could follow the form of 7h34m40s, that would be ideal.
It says 5h19m21s
